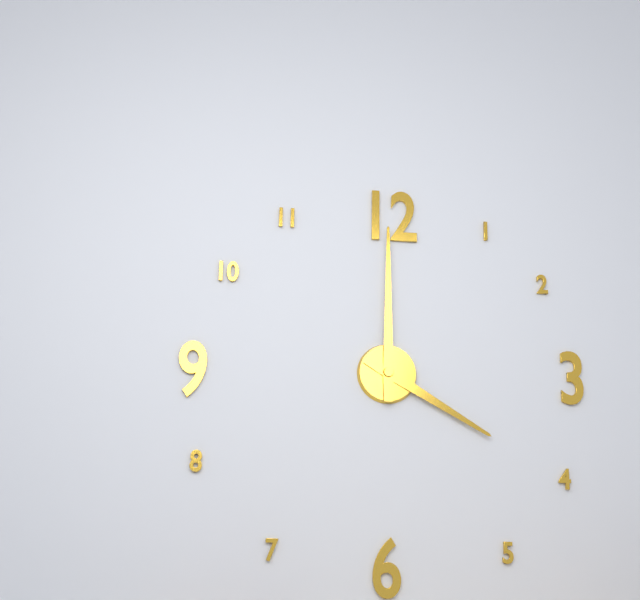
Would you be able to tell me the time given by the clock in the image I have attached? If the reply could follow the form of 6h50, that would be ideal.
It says 4h00
